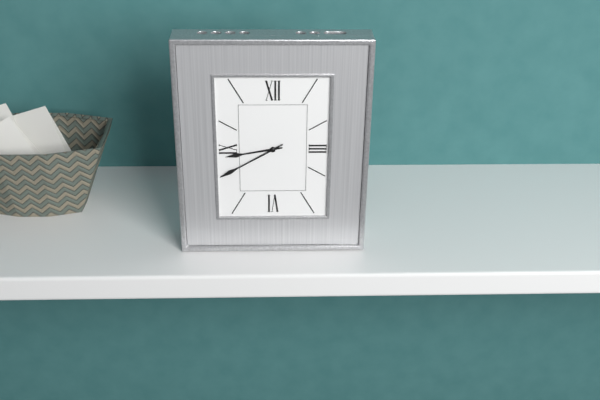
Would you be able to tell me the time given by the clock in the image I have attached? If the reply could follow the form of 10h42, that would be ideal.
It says 8h40
